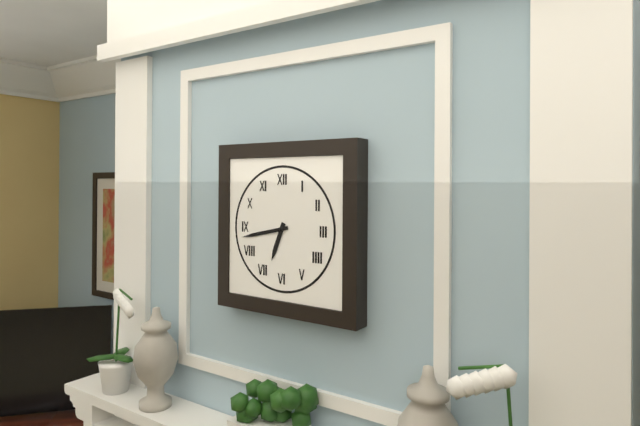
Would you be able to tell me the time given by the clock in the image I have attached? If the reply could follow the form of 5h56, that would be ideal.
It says 6h43
